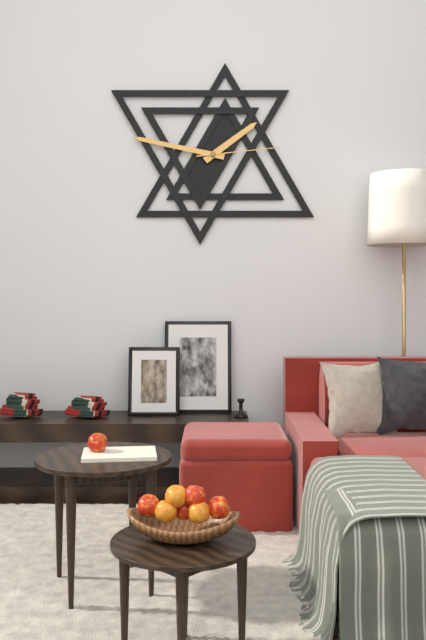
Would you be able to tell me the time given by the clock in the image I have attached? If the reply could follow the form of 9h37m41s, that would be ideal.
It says 1h47m14s
